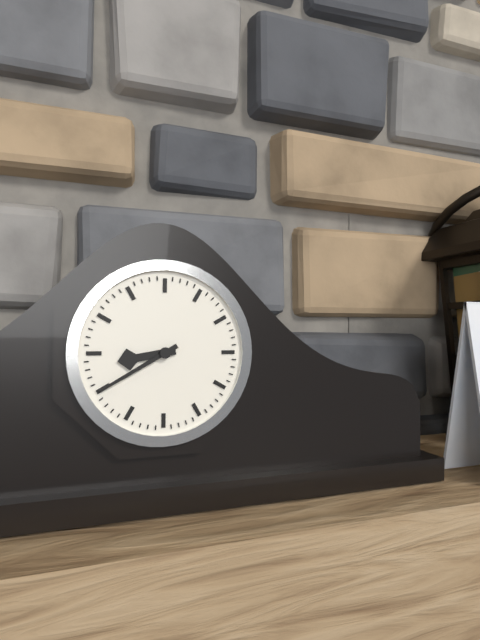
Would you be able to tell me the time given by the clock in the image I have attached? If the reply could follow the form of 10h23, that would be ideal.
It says 8h40
